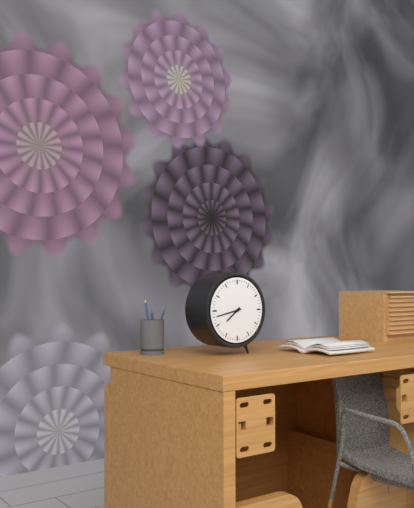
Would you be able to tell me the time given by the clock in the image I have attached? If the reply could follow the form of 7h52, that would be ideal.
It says 7h43
